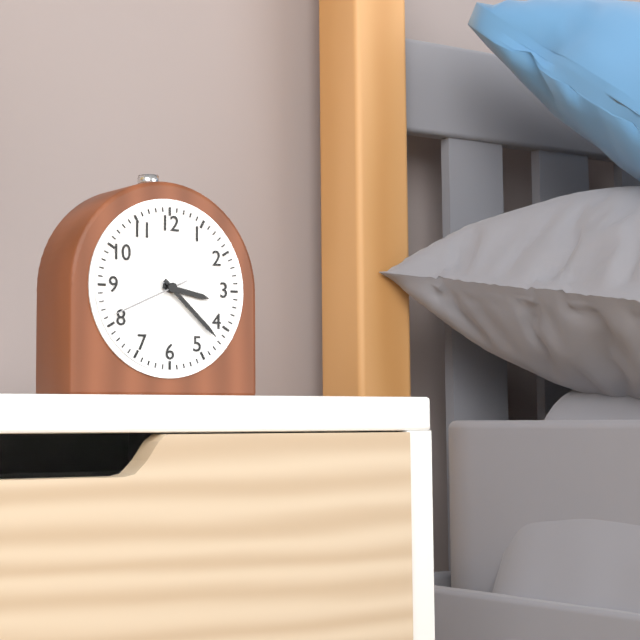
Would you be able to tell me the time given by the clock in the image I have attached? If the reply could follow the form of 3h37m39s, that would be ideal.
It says 3h22m41s
